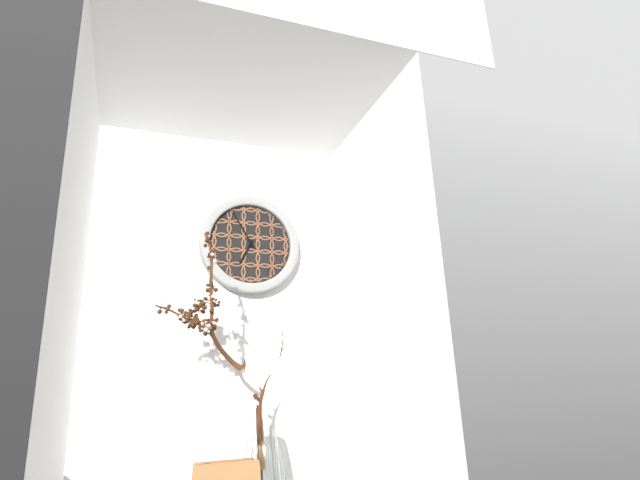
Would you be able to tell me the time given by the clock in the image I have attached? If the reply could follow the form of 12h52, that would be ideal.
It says 6h55
